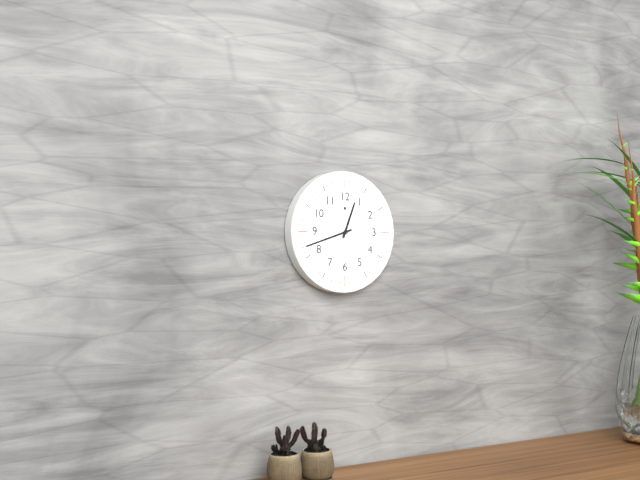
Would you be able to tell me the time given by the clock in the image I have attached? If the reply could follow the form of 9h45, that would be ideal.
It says 12h42
